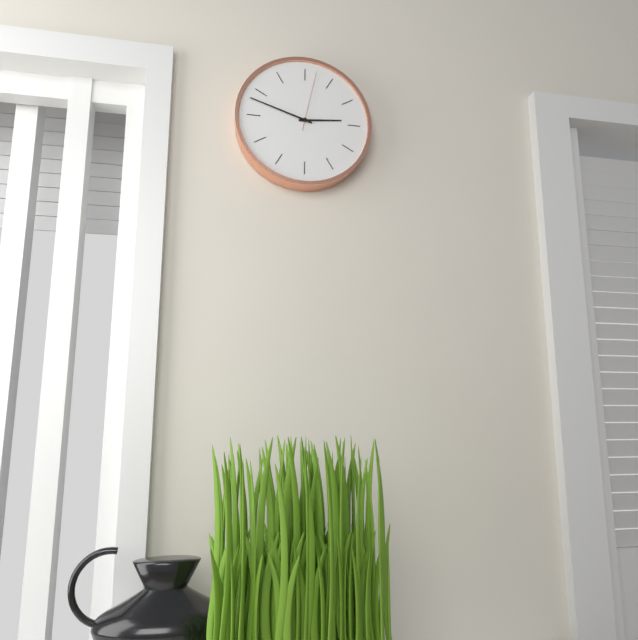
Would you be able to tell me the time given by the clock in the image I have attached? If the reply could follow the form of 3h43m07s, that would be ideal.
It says 2h48m02s
